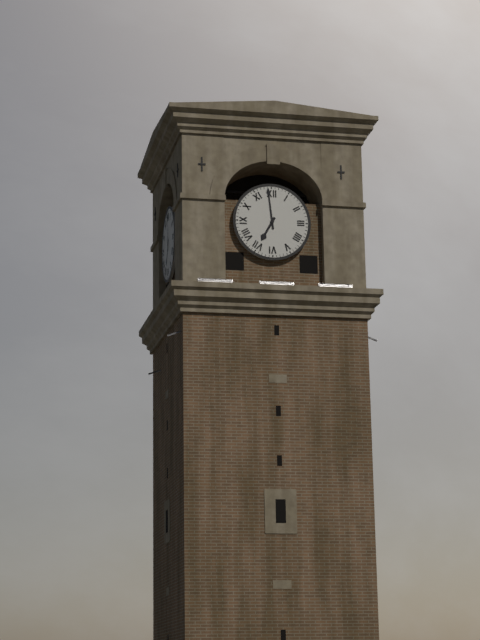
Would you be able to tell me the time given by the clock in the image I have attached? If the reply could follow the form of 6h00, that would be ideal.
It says 6h59
